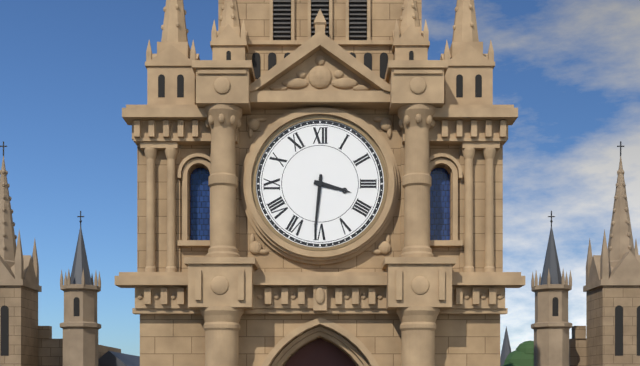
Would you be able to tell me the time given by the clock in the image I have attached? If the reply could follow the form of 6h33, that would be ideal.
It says 3h31
